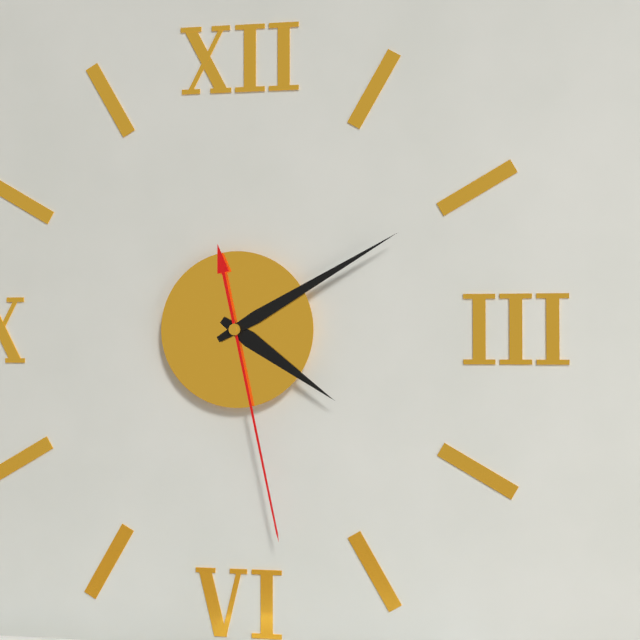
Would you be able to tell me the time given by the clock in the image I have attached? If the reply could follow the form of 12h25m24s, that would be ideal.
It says 4h10m28s
